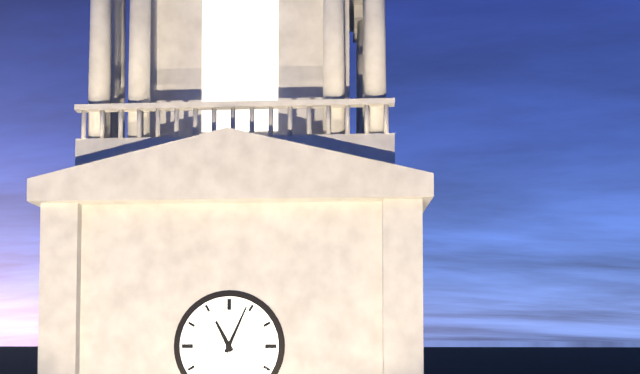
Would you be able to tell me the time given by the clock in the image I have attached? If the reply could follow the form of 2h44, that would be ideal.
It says 11h04
